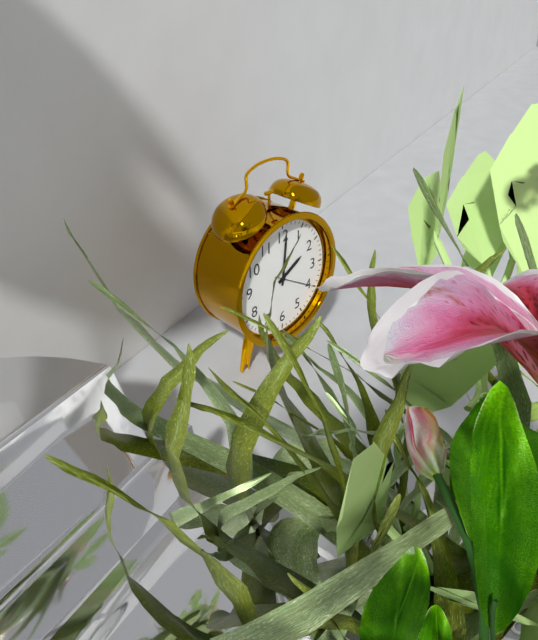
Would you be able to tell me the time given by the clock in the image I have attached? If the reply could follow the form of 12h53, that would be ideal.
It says 2h01
